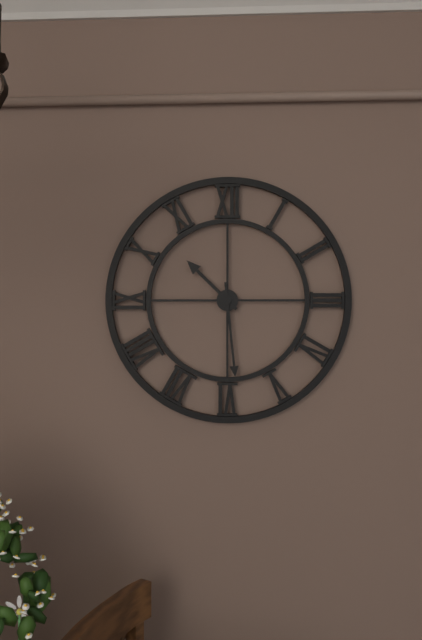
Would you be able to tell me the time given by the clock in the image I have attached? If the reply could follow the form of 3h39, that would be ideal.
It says 10h29
